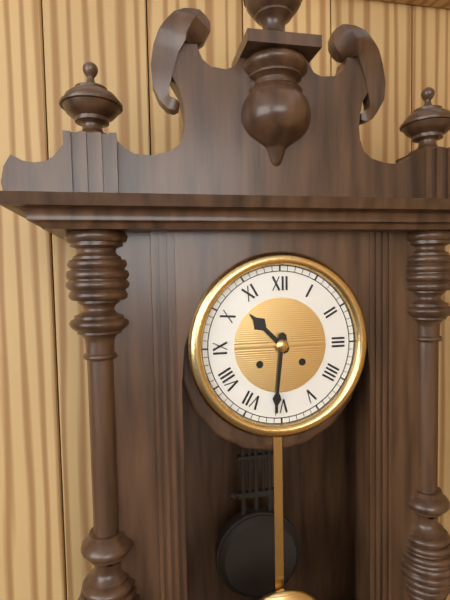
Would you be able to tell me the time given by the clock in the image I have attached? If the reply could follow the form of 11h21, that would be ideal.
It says 10h31
